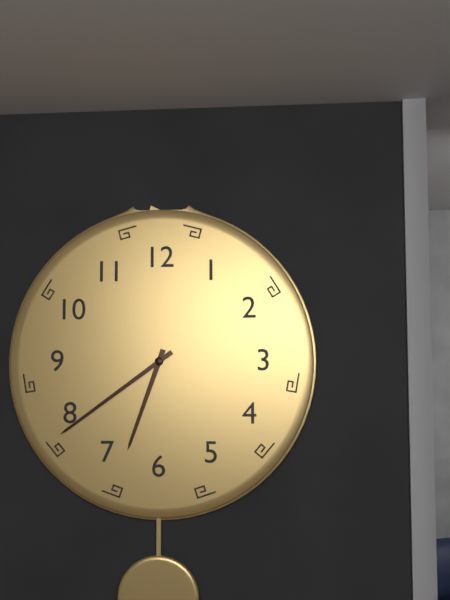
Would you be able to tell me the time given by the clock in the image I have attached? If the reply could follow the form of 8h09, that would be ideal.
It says 6h39
